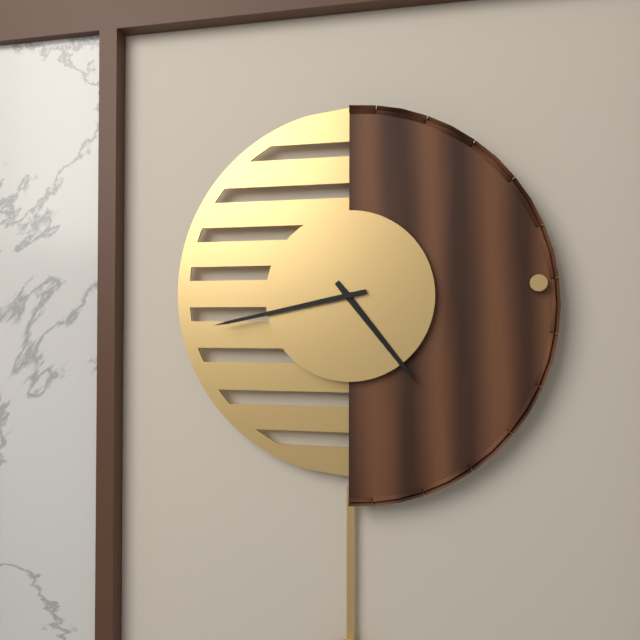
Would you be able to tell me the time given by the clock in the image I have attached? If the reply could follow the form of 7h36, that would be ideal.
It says 4h43
